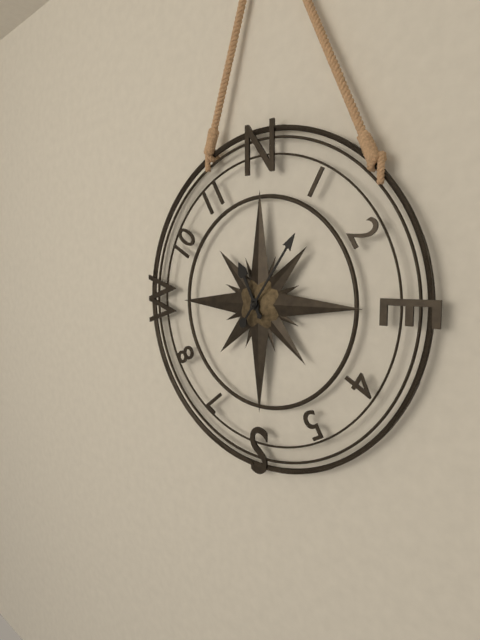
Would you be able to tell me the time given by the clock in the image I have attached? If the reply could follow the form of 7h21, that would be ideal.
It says 11h06
